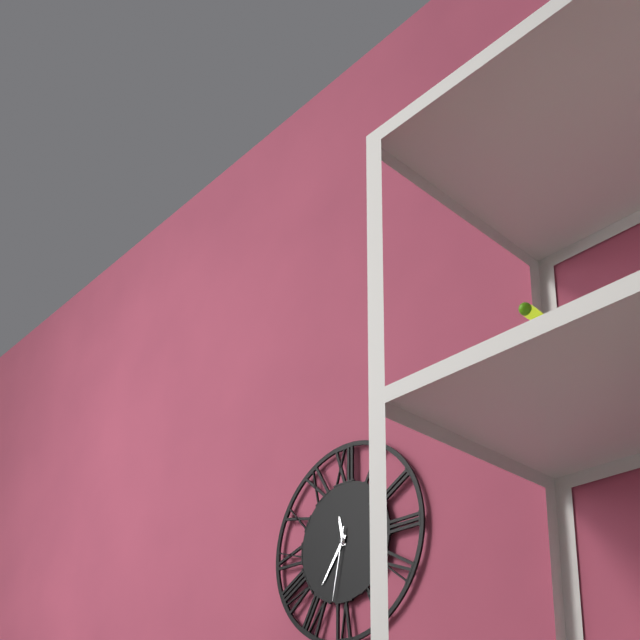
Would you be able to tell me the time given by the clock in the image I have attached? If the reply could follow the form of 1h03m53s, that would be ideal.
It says 11h36m32s
